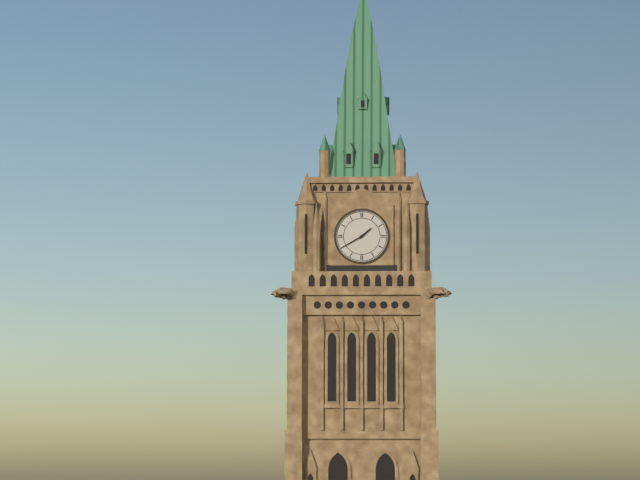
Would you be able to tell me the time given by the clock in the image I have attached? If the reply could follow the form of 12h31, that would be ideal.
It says 1h40
